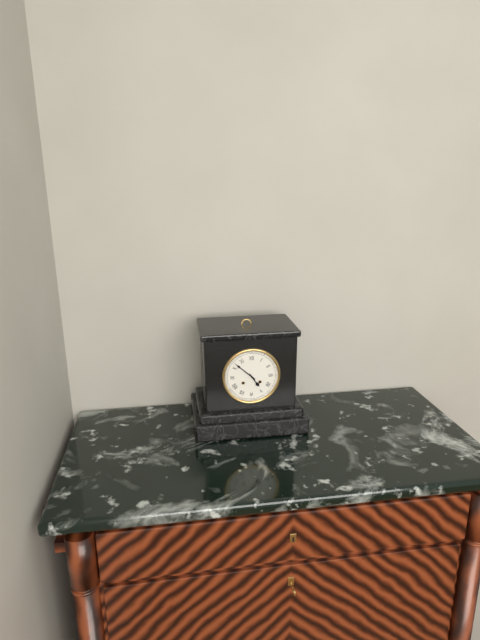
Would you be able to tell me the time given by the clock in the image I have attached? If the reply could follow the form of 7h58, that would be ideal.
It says 4h52
